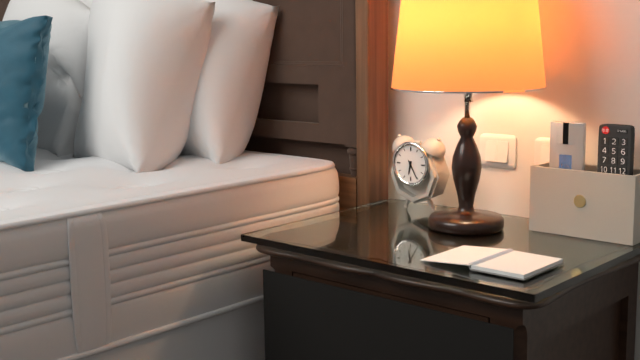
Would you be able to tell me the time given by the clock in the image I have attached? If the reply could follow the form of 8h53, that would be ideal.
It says 6h25
